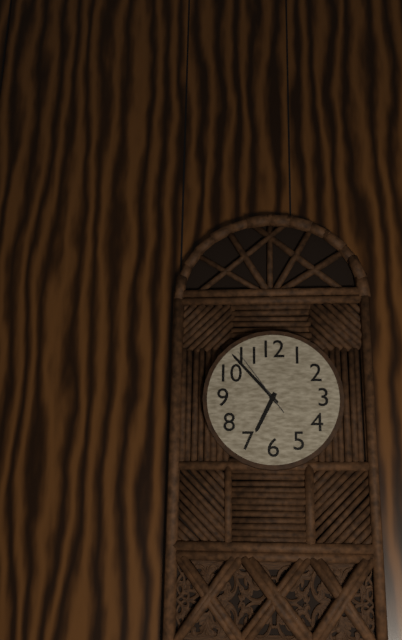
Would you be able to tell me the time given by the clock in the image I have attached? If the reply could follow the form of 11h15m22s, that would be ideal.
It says 6h53m54s
